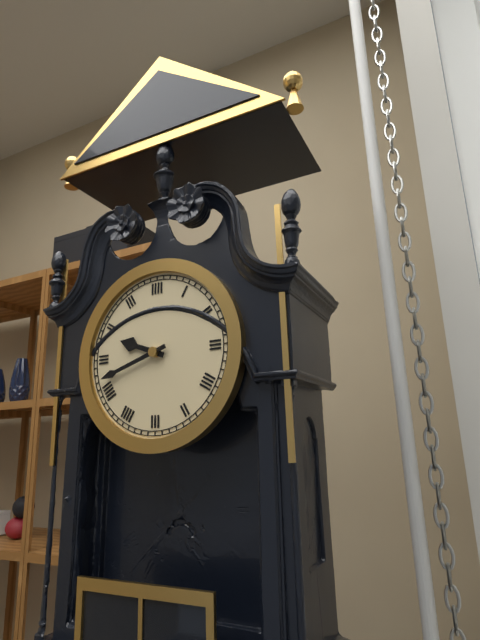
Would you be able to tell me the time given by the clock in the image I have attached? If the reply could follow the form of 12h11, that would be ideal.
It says 9h42
